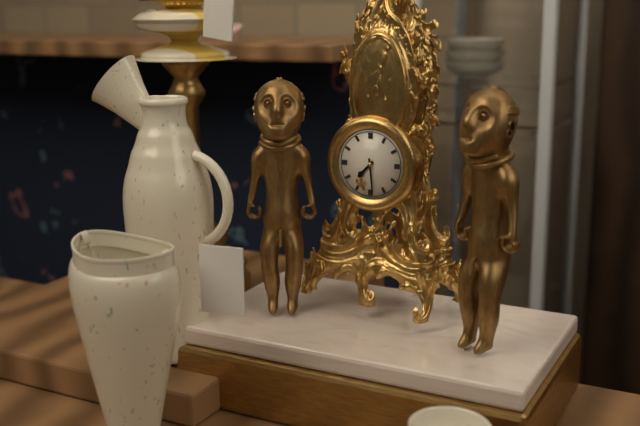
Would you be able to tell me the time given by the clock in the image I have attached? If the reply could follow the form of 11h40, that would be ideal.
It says 7h29
